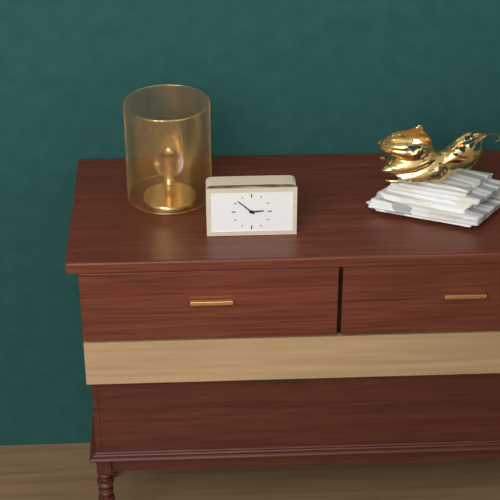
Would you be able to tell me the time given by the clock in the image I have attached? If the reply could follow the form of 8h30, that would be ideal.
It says 2h52
